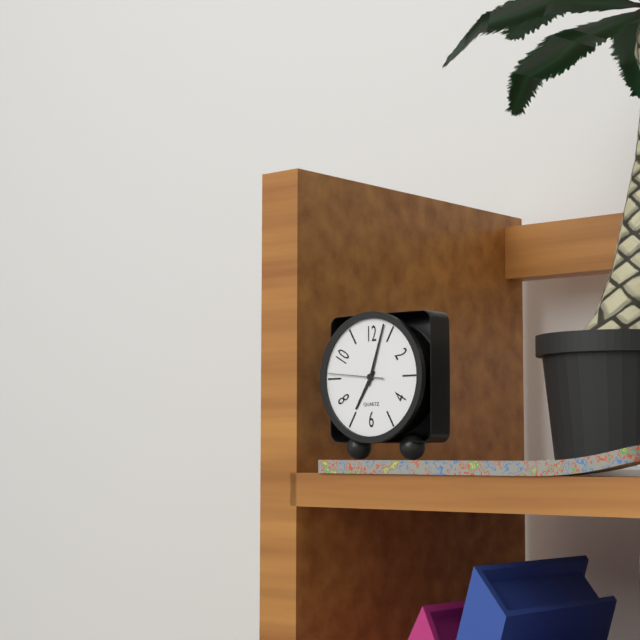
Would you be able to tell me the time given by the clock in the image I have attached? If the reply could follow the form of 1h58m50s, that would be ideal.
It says 7h03m46s
